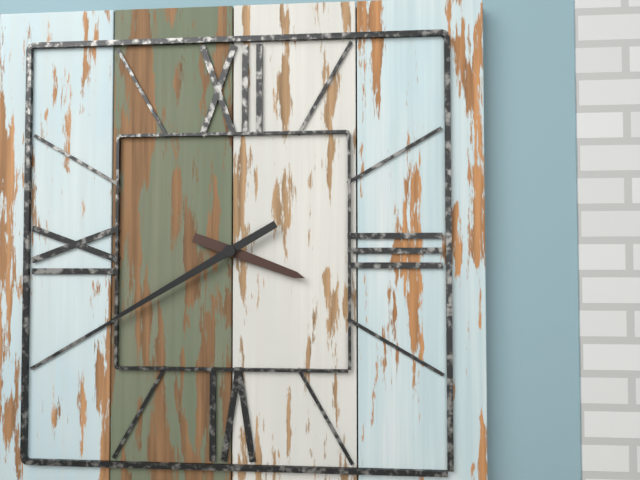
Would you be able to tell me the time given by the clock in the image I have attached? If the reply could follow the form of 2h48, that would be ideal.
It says 3h40
